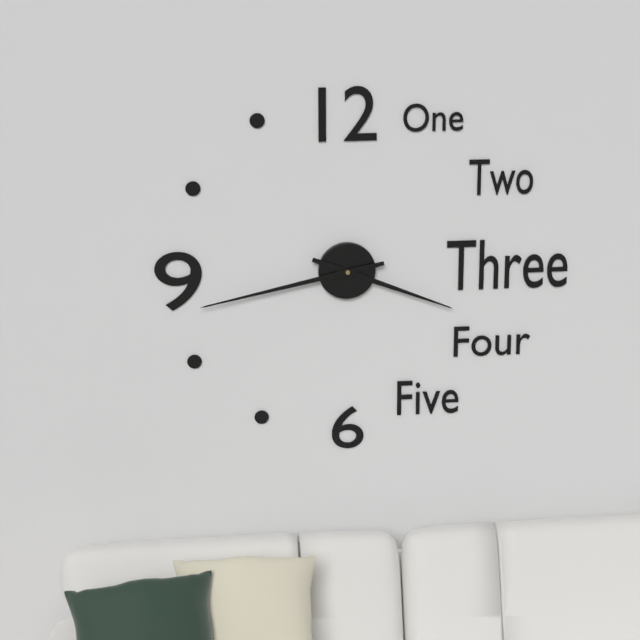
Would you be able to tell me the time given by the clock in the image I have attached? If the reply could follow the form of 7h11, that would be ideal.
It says 3h43
